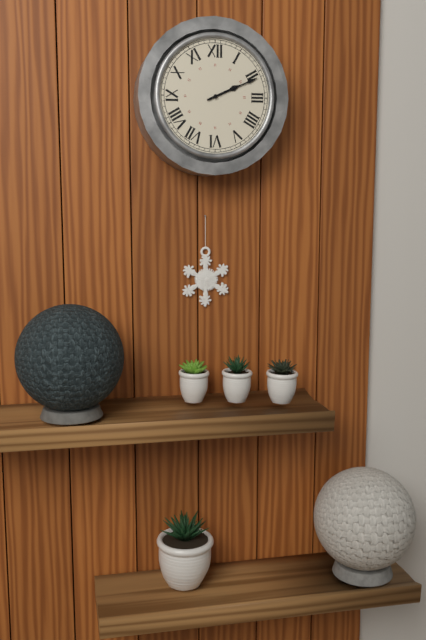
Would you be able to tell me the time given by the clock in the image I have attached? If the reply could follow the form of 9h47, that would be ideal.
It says 2h11
